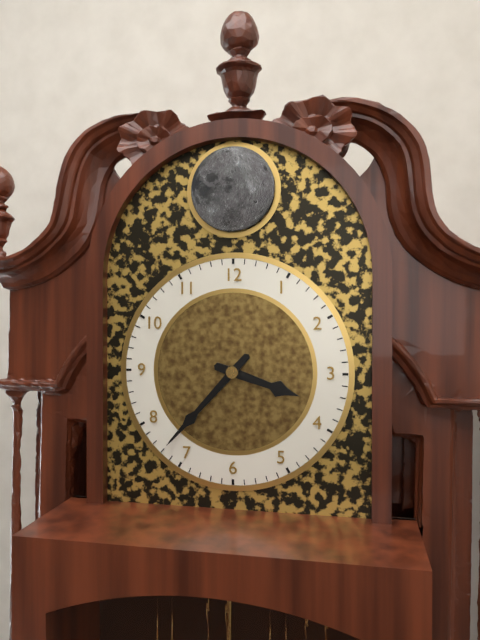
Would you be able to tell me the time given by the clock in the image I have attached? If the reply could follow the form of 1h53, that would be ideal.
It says 3h37
